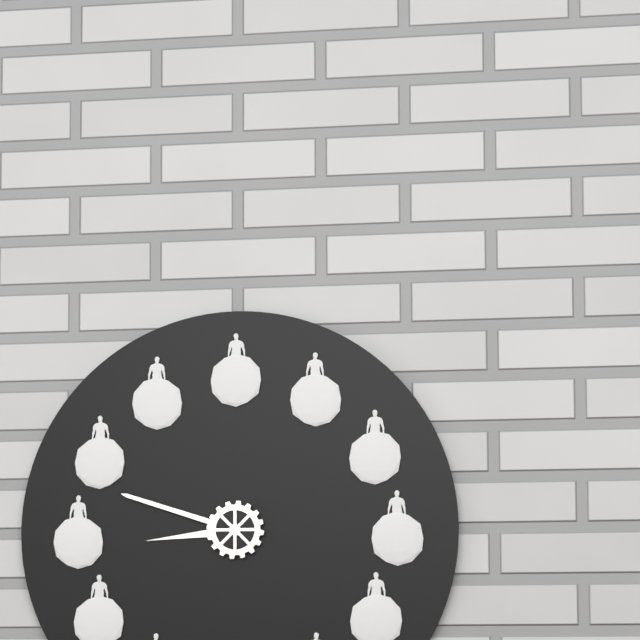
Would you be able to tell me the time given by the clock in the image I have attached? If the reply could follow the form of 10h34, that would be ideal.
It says 8h48
